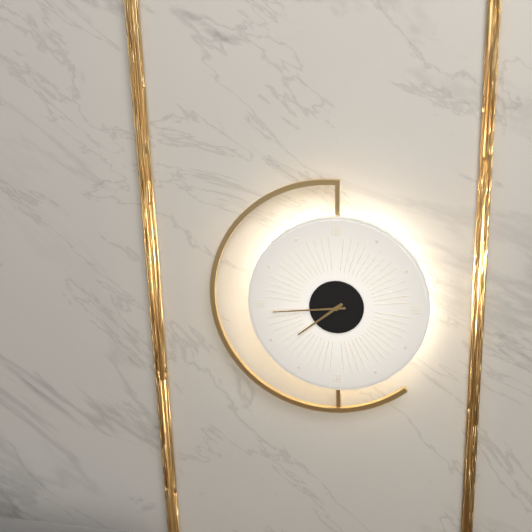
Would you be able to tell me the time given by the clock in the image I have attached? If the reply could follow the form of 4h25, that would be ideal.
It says 7h44
